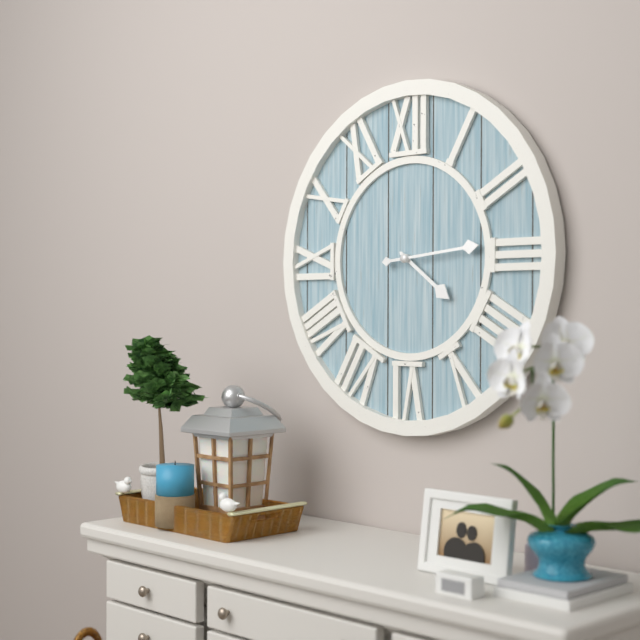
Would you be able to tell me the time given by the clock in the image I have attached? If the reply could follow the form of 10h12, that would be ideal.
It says 4h14
